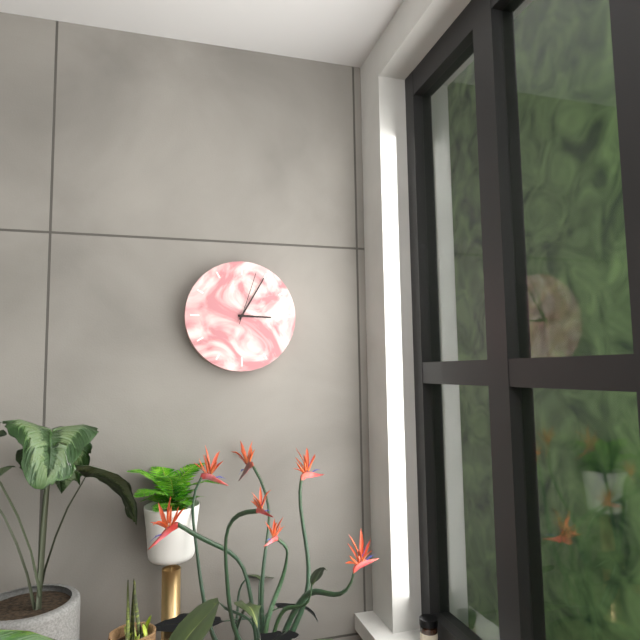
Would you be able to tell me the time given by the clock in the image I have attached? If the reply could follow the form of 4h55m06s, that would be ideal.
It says 3h05m03s
